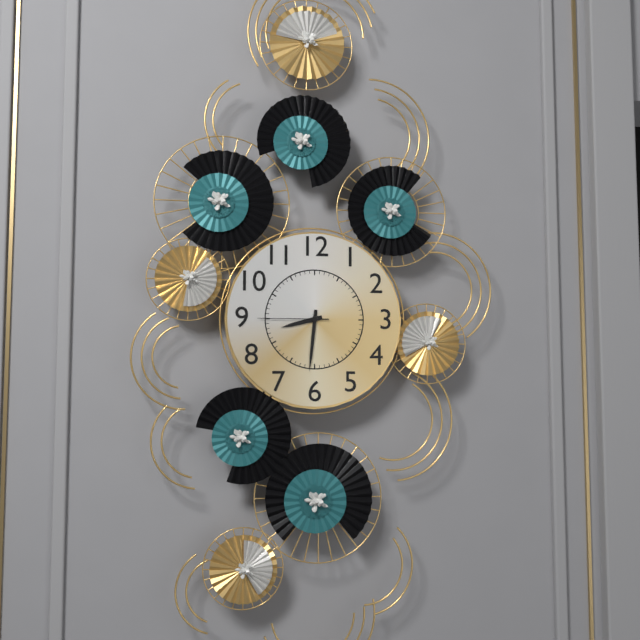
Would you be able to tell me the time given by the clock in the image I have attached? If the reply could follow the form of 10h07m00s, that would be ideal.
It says 8h31m45s
